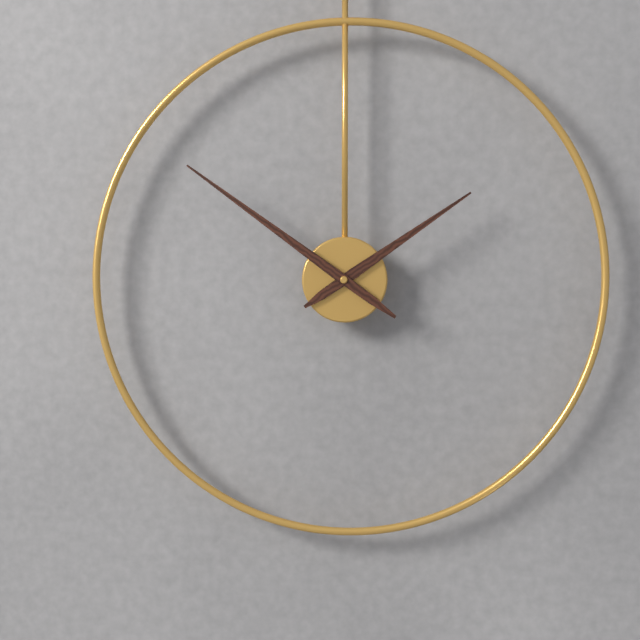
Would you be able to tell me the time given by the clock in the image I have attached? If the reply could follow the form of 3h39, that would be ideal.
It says 1h51
